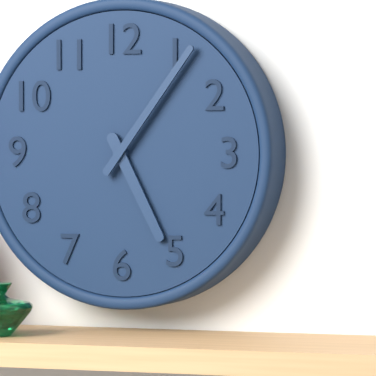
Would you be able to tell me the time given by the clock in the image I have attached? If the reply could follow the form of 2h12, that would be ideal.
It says 5h06
